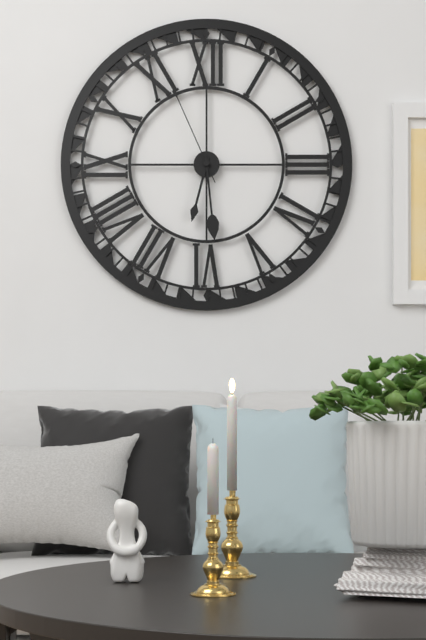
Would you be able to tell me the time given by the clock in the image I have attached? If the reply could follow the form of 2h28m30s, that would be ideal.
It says 6h29m56s
